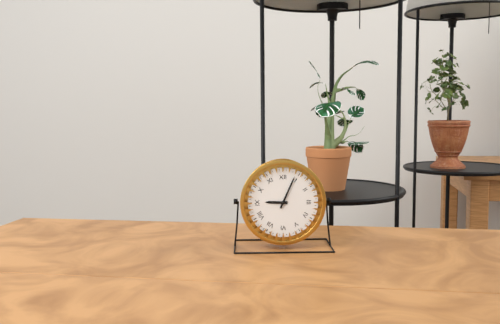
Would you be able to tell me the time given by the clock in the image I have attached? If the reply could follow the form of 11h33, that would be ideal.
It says 9h04
